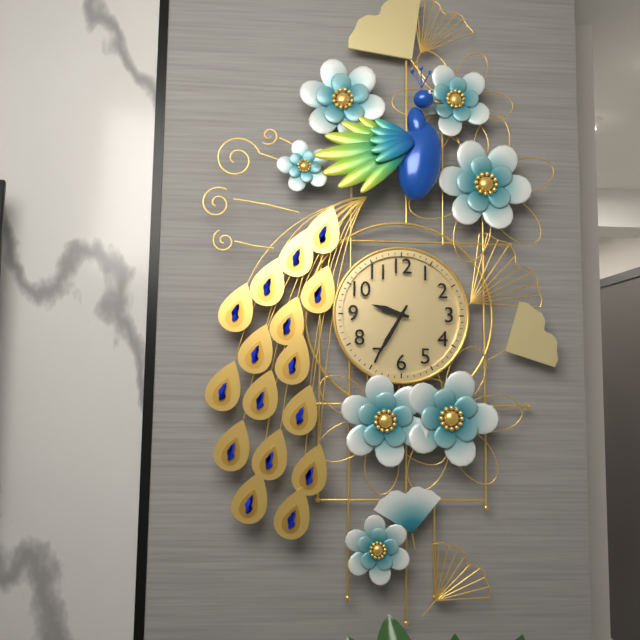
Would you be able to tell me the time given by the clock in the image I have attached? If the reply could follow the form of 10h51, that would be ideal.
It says 9h35
